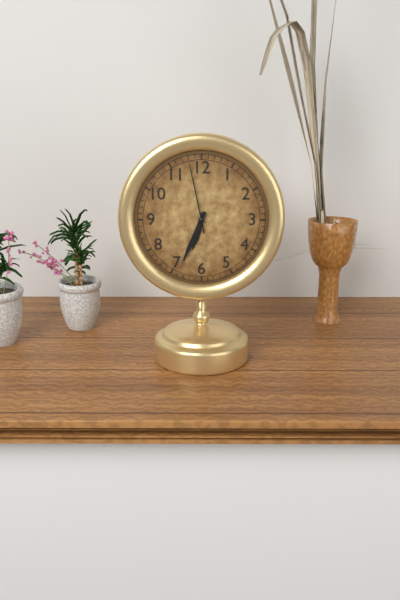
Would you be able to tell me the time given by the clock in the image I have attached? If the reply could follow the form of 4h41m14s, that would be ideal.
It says 6h34m58s
